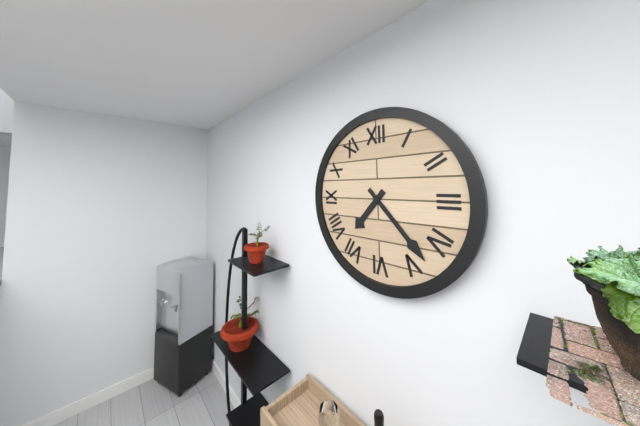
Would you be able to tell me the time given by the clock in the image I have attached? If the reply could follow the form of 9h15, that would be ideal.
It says 7h23
